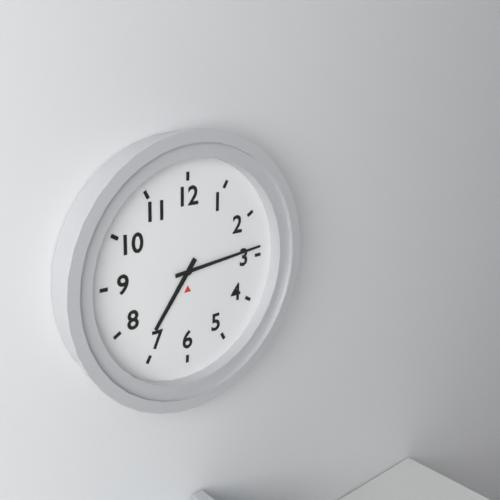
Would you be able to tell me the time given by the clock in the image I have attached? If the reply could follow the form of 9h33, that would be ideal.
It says 7h14
